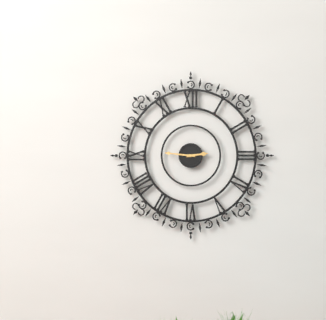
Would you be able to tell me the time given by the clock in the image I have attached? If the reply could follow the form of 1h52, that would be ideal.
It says 2h46
